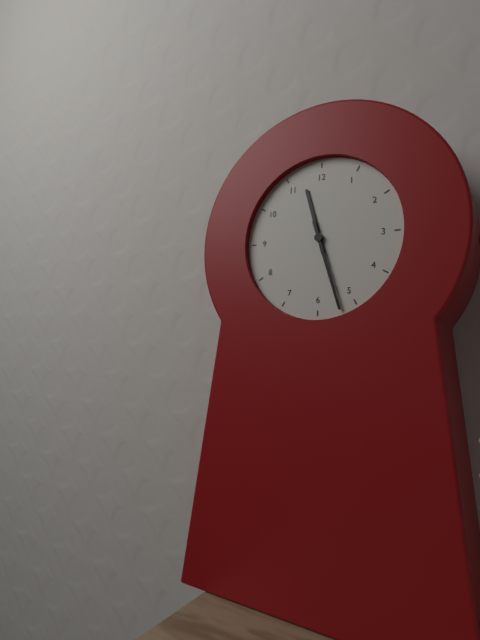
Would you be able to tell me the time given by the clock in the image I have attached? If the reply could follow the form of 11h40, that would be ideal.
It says 11h27
